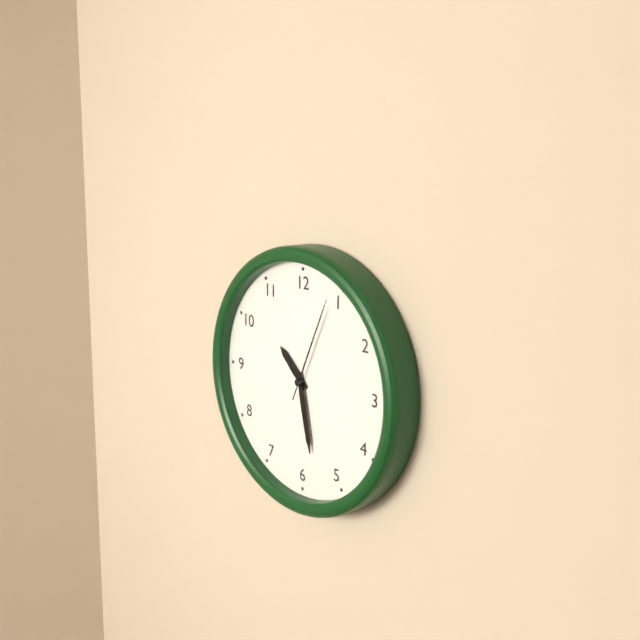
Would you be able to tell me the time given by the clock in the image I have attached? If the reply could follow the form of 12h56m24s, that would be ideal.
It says 10h28m04s
